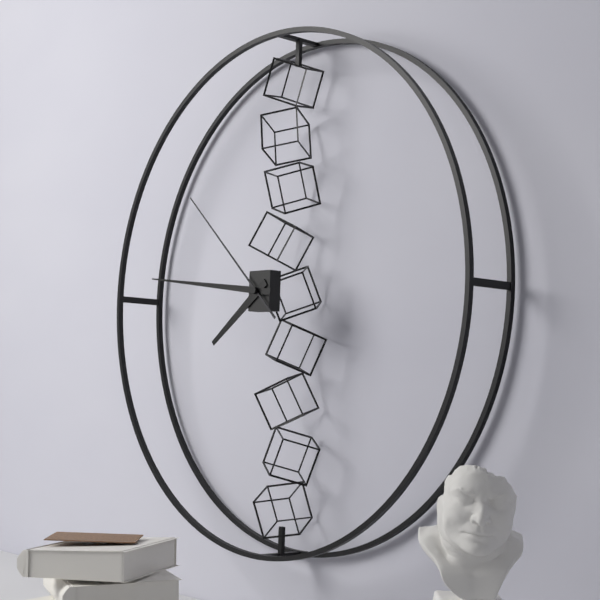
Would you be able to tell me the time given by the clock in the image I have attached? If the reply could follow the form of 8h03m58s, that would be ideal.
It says 7h46m52s
